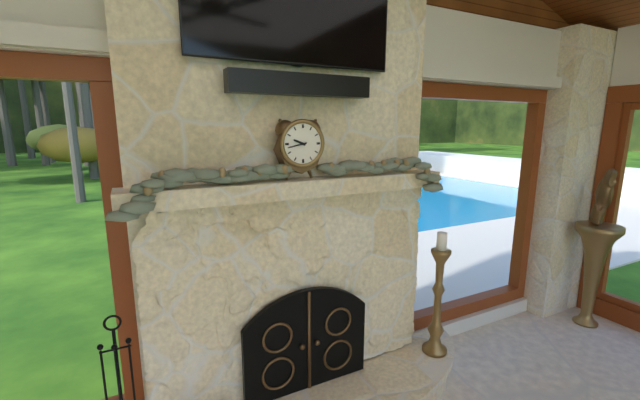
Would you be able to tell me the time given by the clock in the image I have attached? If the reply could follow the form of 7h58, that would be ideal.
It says 9h43
